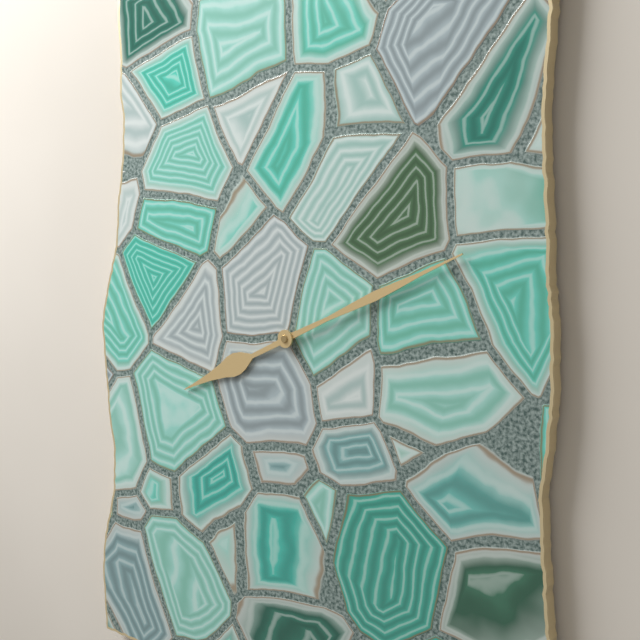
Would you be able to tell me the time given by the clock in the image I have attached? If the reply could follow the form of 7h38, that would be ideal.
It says 8h11
